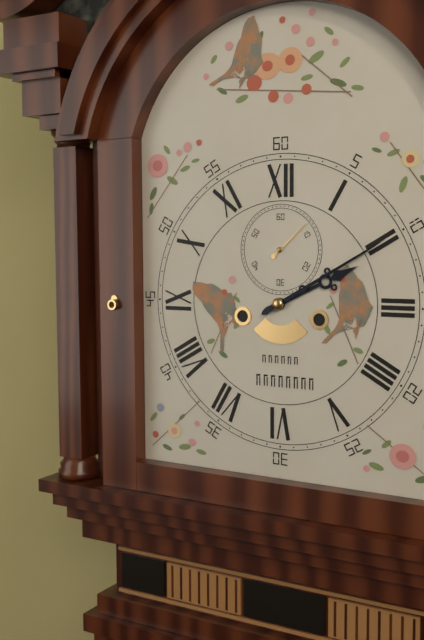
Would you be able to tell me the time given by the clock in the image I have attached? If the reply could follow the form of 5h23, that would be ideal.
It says 2h10
